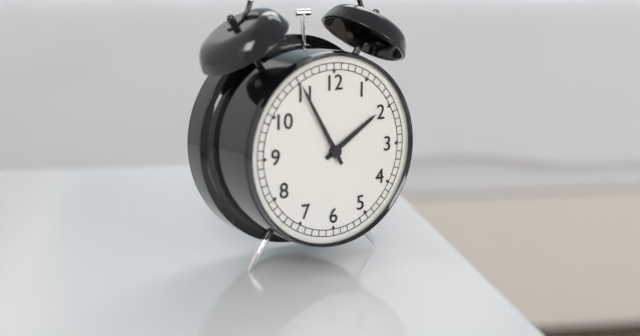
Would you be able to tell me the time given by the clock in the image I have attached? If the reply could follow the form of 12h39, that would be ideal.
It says 1h55
